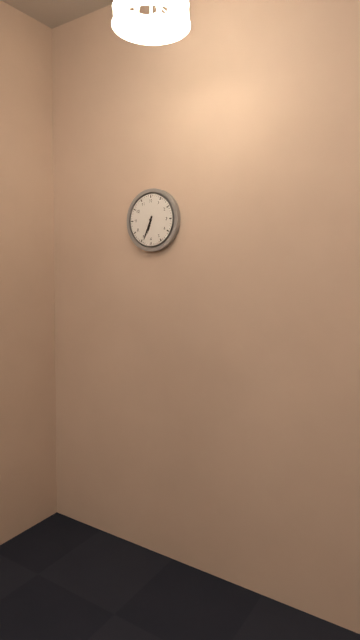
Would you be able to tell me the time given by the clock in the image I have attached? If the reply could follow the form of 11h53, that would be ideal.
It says 6h34
